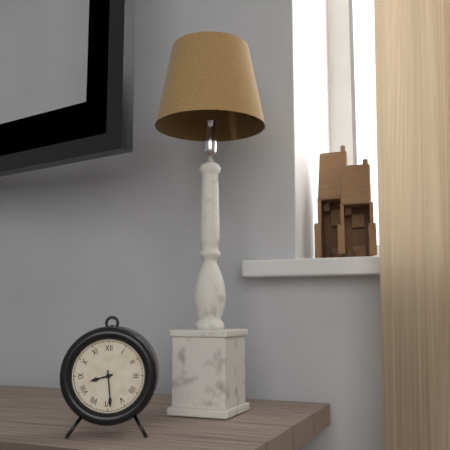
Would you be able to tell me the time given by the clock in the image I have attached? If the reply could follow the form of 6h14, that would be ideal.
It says 8h29
